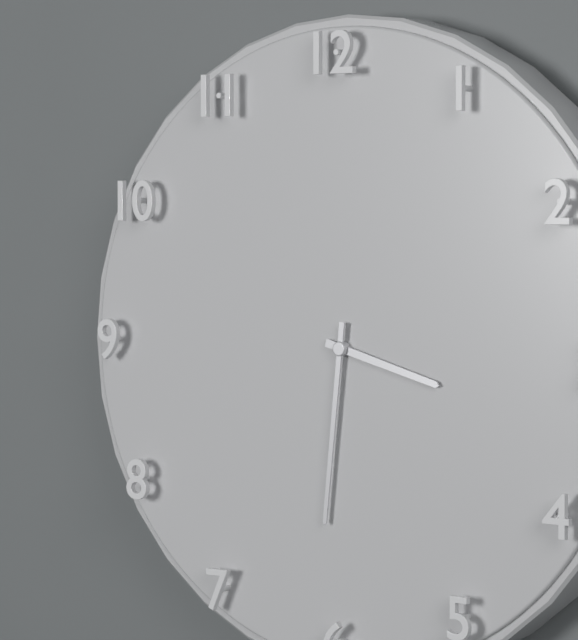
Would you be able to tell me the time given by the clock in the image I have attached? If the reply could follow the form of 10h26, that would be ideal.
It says 3h31
